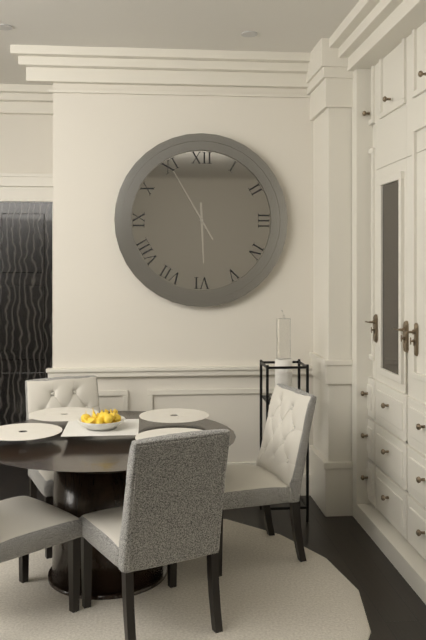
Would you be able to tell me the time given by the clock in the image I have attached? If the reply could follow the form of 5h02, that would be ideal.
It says 5h55
